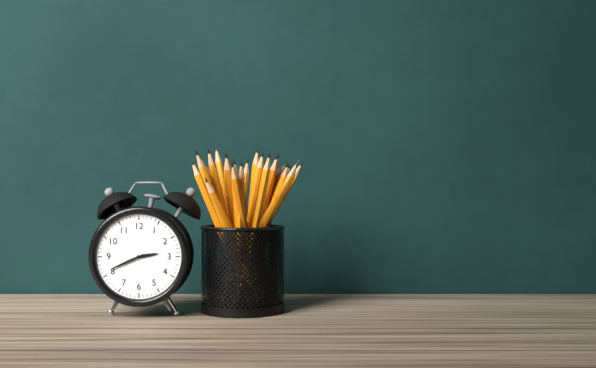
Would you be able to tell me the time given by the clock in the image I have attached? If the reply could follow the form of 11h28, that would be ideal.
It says 2h41
